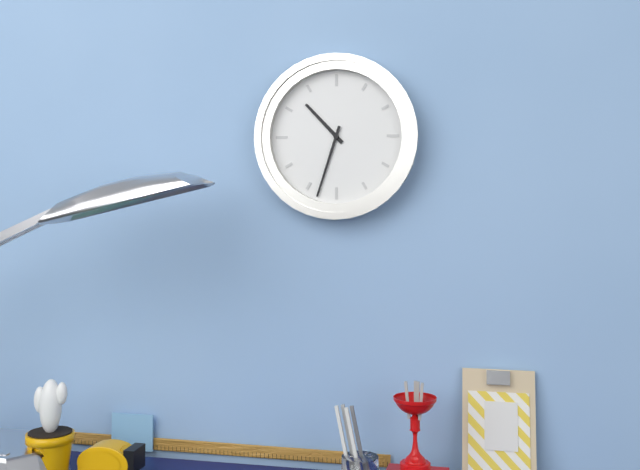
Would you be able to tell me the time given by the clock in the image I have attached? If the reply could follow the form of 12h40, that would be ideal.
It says 10h33
